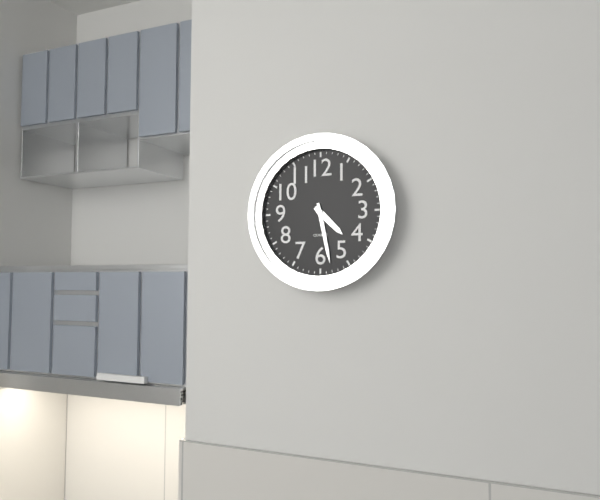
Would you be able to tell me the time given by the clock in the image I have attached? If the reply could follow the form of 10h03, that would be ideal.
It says 4h28
